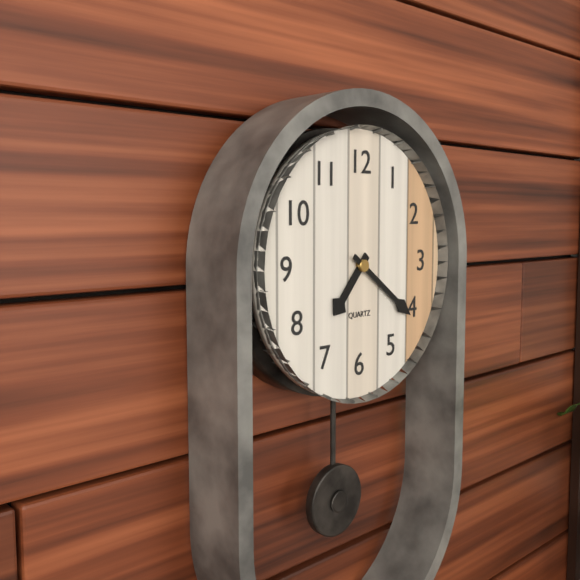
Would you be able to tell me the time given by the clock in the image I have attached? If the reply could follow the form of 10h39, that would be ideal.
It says 7h21
